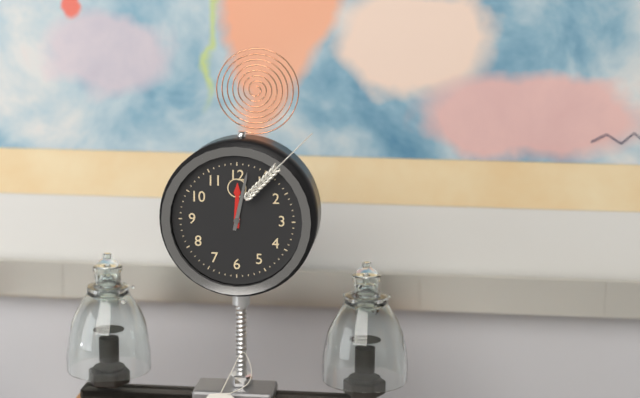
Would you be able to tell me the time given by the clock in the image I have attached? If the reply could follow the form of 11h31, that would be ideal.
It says 12h02
